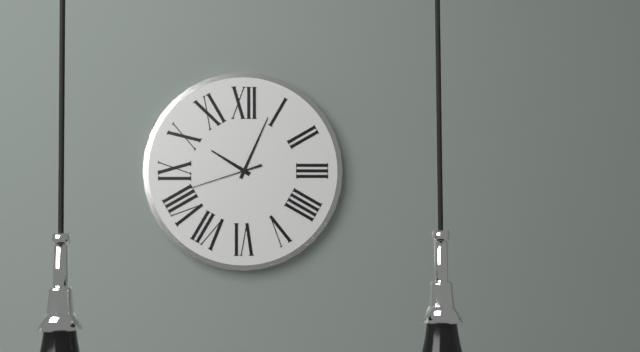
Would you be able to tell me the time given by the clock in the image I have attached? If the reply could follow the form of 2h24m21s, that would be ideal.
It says 10h04m42s
